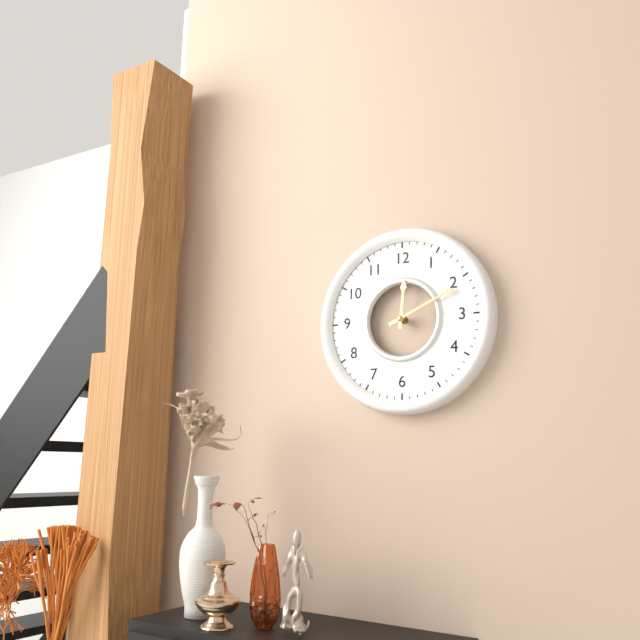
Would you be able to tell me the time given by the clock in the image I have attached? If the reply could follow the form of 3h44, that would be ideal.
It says 12h11
